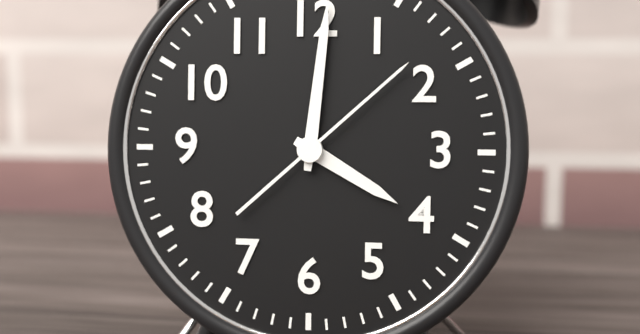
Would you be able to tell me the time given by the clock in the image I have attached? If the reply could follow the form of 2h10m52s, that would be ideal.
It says 4h01m08s
